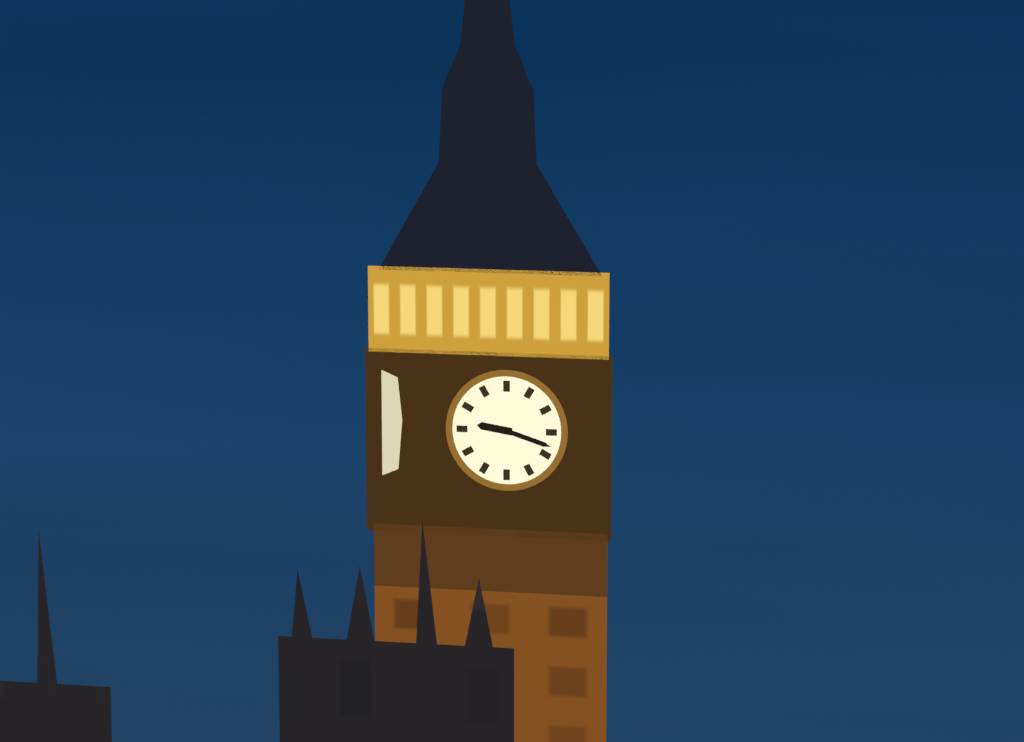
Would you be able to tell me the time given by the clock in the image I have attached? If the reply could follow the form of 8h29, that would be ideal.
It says 9h18
